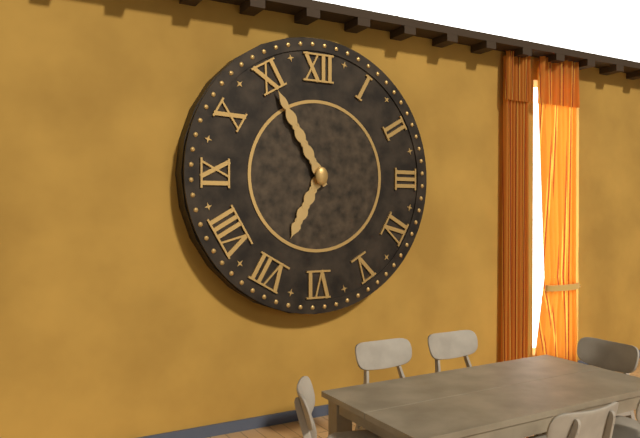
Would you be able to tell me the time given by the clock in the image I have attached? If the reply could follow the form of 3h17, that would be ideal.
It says 6h55
